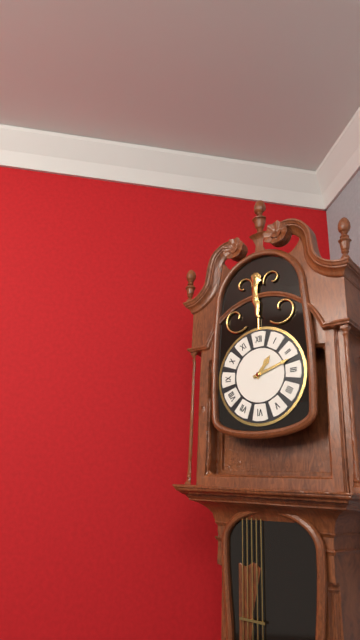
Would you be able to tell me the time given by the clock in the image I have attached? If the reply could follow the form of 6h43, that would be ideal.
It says 1h12
